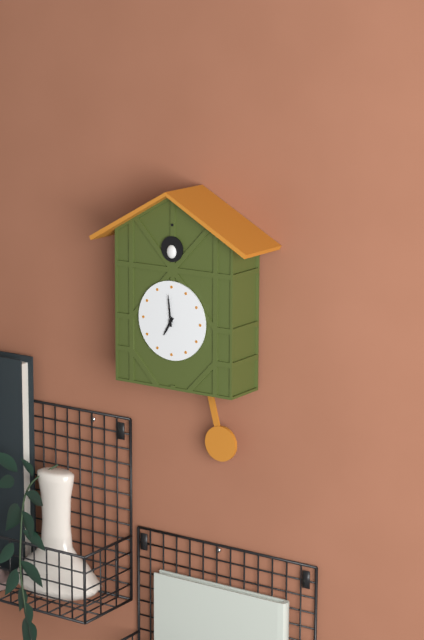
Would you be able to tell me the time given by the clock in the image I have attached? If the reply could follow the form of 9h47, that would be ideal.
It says 6h59
